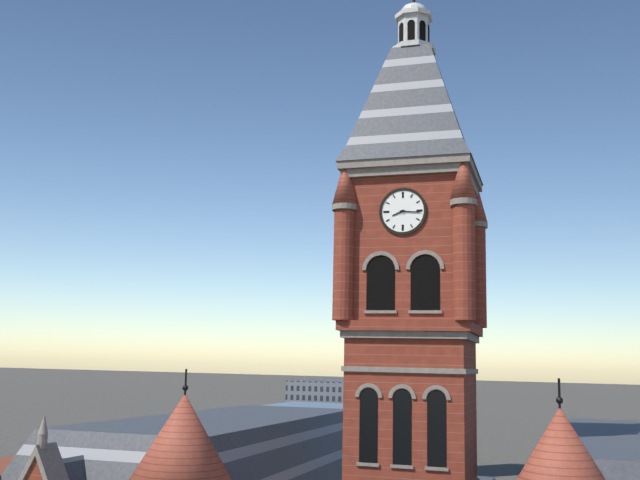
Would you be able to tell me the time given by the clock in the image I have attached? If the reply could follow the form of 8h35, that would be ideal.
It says 8h16
